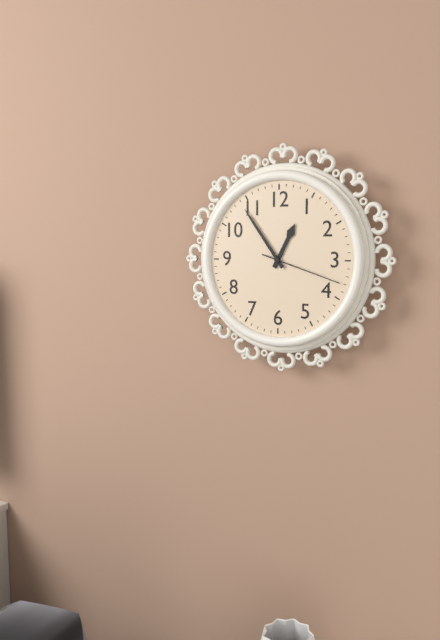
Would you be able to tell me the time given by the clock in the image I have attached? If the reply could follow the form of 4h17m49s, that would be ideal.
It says 12h54m18s
